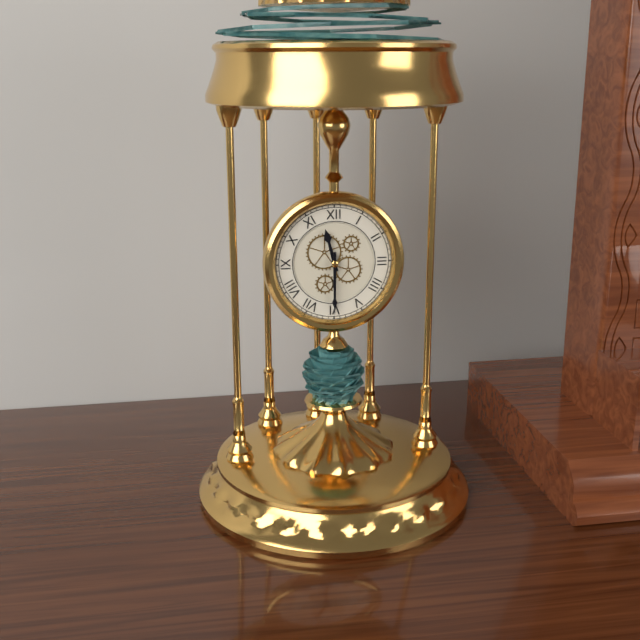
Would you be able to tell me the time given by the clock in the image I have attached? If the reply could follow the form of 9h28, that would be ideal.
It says 11h30
